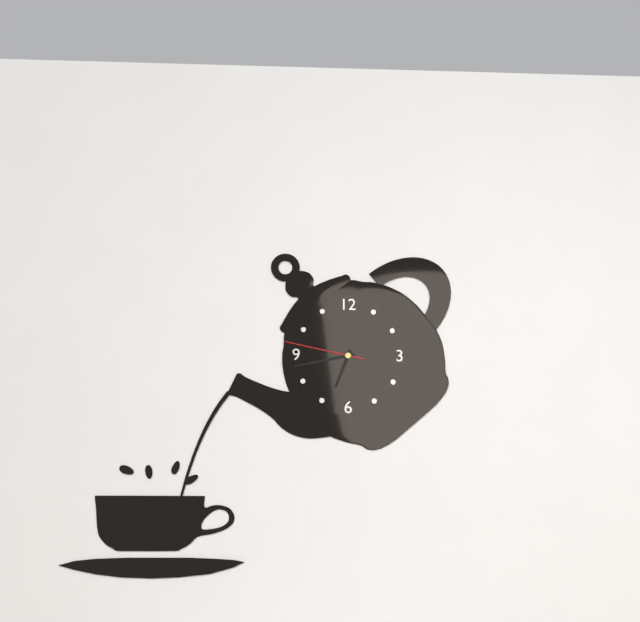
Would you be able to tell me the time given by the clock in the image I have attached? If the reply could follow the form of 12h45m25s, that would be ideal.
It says 6h43m47s
